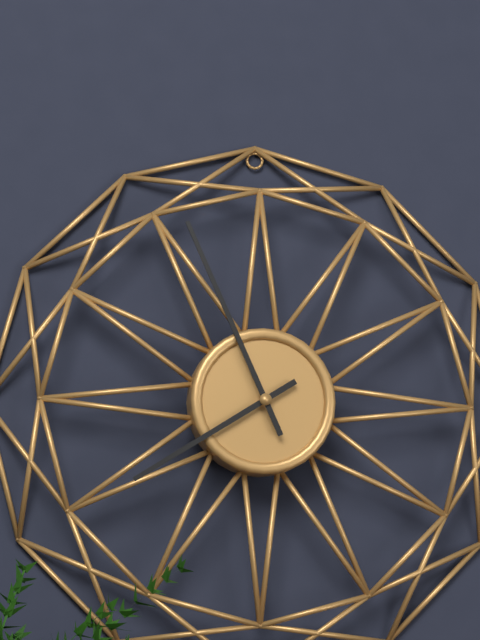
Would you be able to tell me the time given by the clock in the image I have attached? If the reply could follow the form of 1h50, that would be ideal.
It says 7h56
